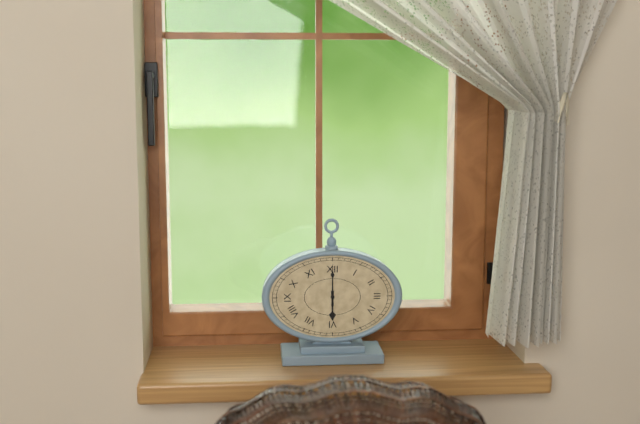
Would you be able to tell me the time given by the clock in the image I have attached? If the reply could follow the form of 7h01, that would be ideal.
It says 6h00
